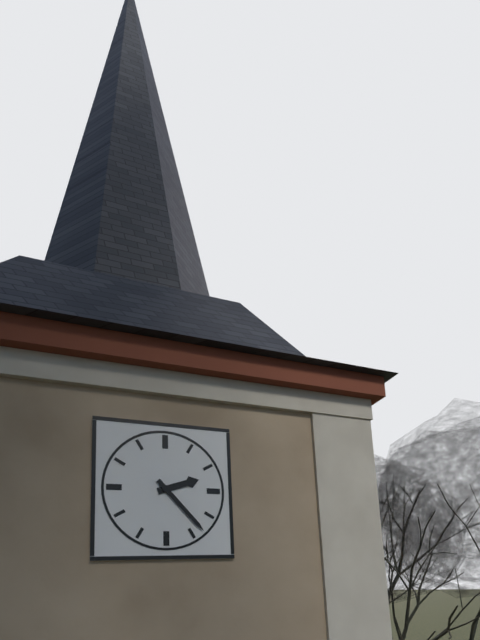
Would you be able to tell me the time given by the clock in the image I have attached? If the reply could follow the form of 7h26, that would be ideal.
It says 2h23
